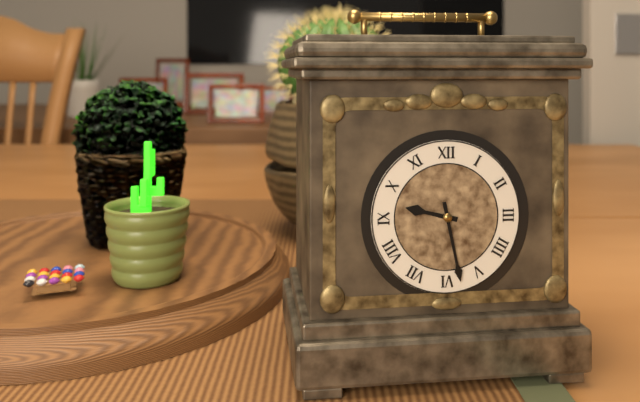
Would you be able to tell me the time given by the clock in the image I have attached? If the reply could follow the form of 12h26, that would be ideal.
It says 9h28
